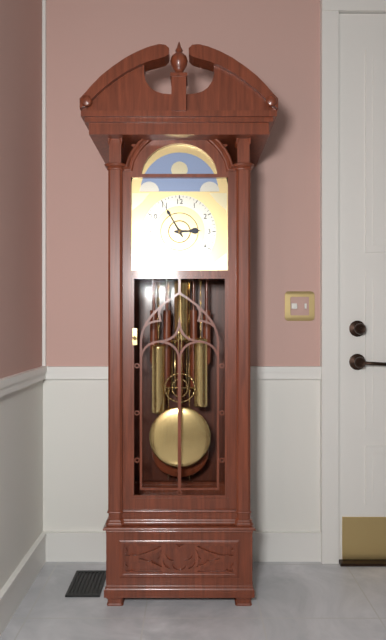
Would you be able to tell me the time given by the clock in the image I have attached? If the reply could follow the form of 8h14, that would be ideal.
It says 2h55
